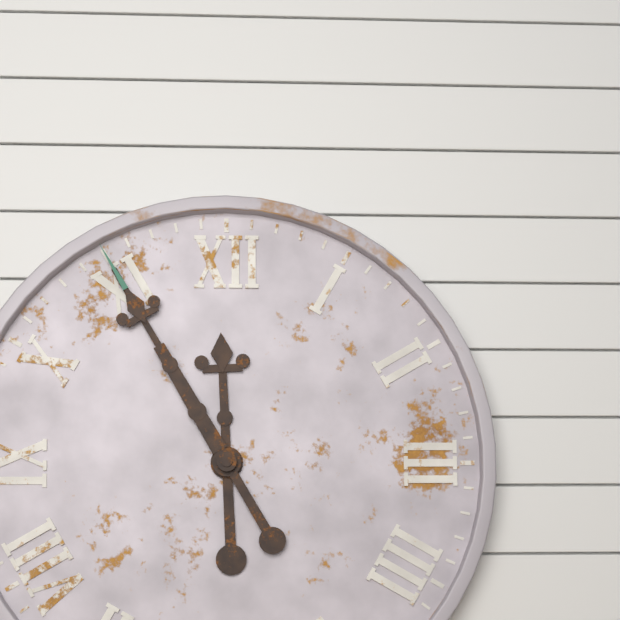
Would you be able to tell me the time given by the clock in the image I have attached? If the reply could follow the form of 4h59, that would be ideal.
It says 11h55
